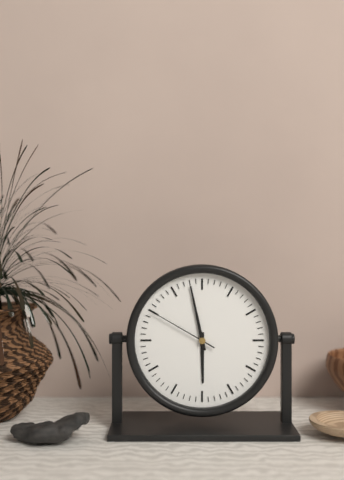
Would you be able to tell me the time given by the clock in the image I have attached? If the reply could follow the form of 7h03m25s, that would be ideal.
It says 5h58m50s
